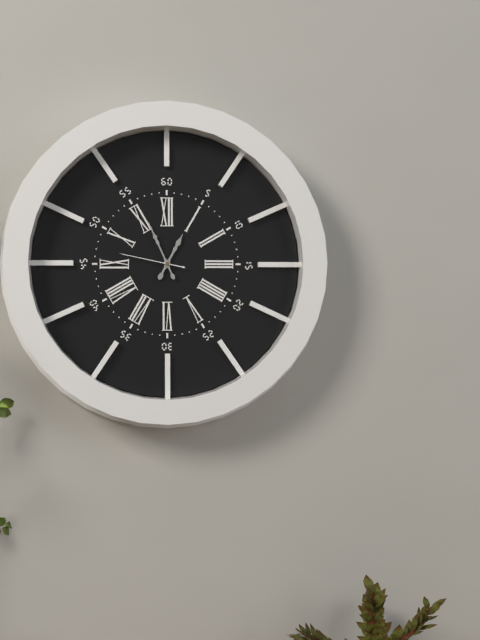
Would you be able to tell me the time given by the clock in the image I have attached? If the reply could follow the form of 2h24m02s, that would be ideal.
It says 12h56m47s
